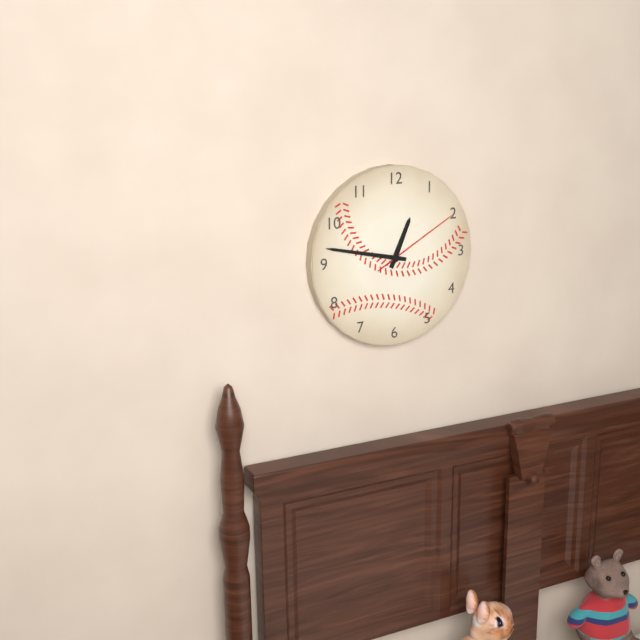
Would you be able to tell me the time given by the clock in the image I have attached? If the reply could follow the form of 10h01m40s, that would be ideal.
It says 12h47m10s
